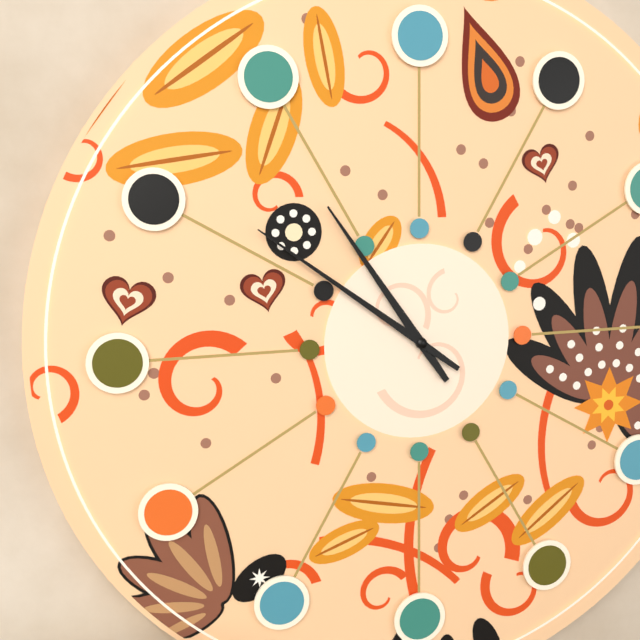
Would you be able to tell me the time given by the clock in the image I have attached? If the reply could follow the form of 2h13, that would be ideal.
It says 10h51
